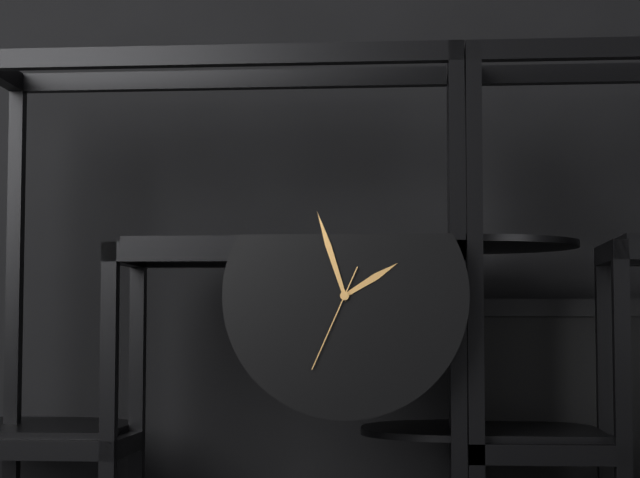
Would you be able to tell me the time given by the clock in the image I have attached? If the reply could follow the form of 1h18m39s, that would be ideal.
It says 1h57m34s
